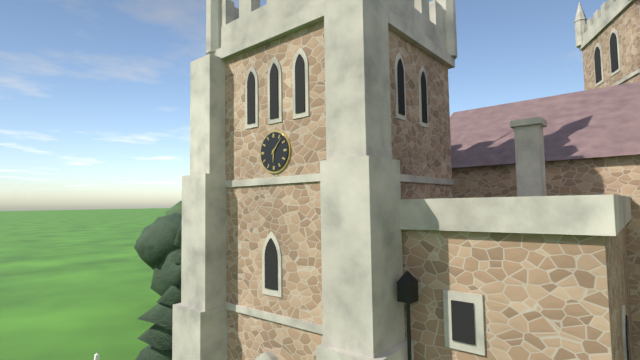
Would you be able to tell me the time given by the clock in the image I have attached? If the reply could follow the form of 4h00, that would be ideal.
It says 6h07
